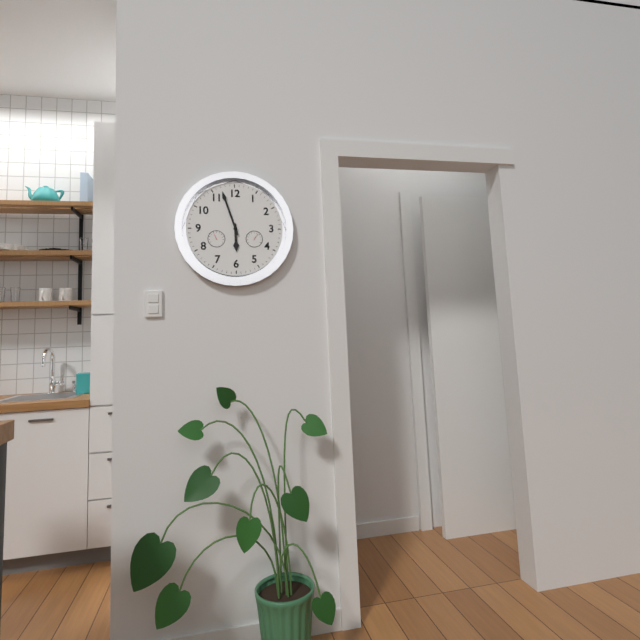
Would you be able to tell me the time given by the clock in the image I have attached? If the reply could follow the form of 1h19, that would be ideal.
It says 5h57
